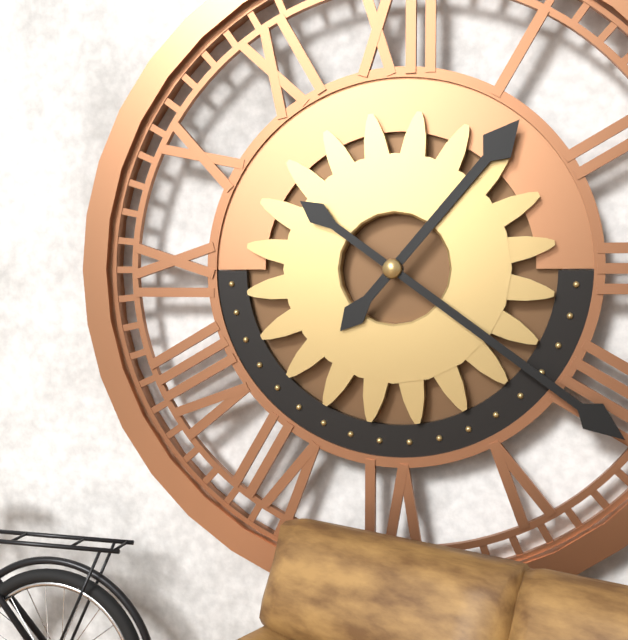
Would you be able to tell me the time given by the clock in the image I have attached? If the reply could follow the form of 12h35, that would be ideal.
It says 1h21
